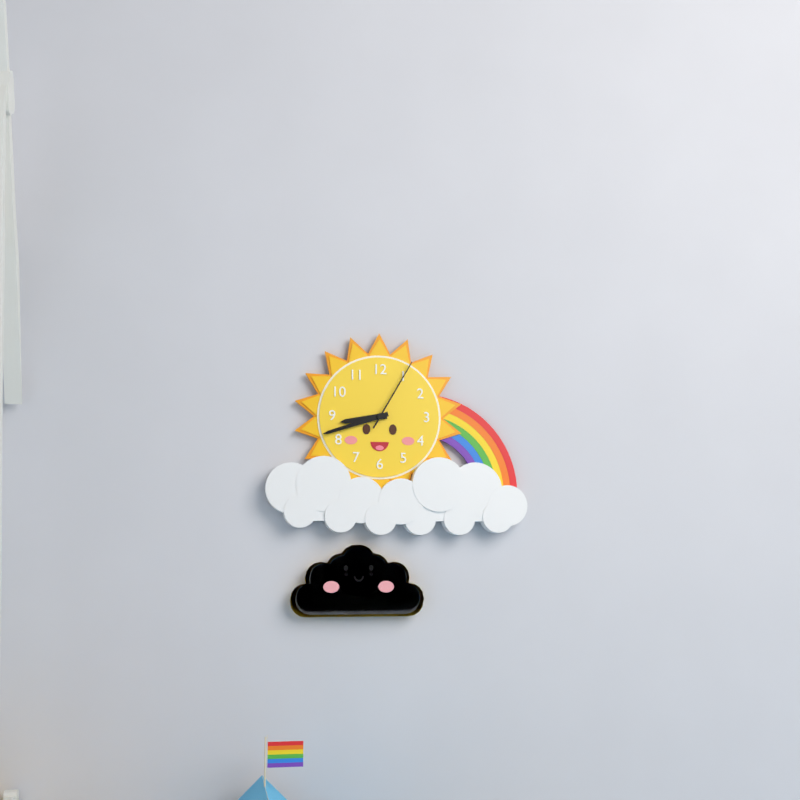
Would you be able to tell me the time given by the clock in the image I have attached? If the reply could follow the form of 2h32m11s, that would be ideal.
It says 8h42m05s
